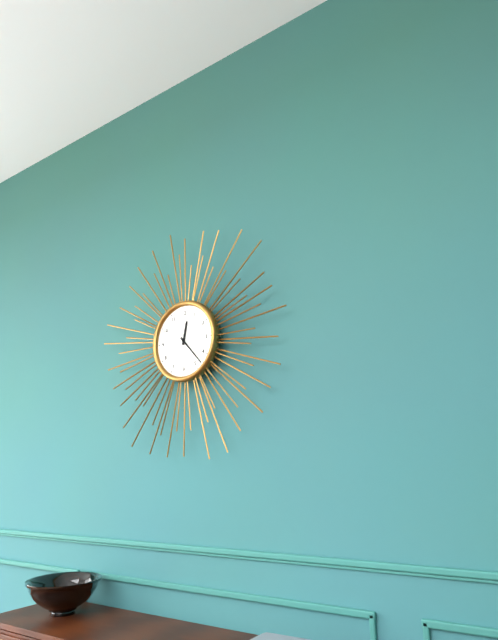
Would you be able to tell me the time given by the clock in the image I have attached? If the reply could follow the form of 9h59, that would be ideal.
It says 12h23
